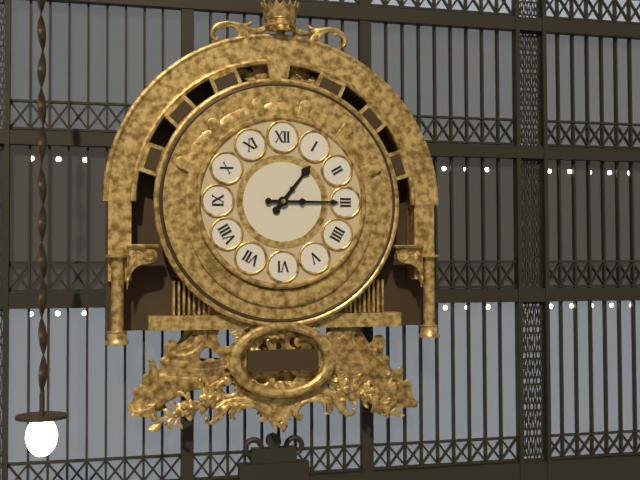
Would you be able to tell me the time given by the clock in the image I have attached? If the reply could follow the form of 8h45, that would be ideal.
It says 1h15
